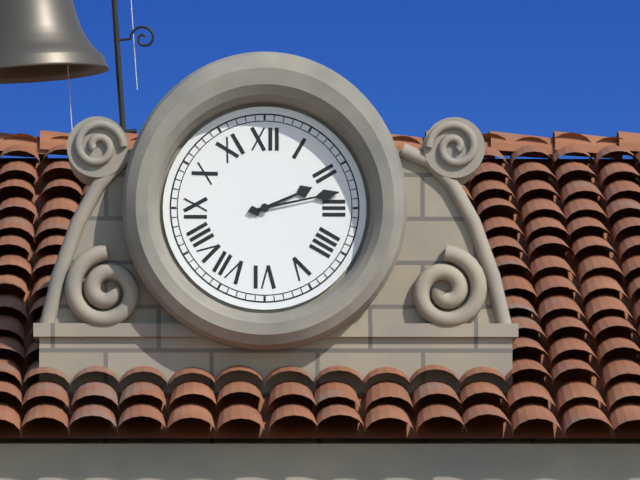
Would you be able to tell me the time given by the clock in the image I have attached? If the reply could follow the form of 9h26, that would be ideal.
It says 2h13
